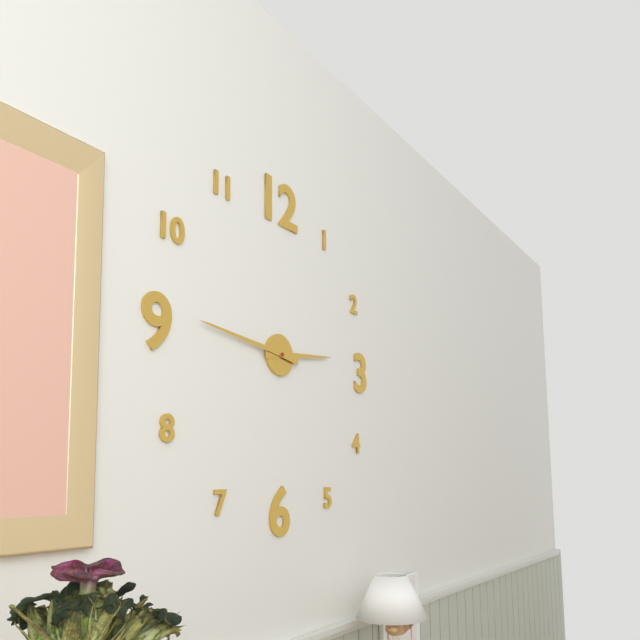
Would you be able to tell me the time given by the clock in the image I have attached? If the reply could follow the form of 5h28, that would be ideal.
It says 2h46
